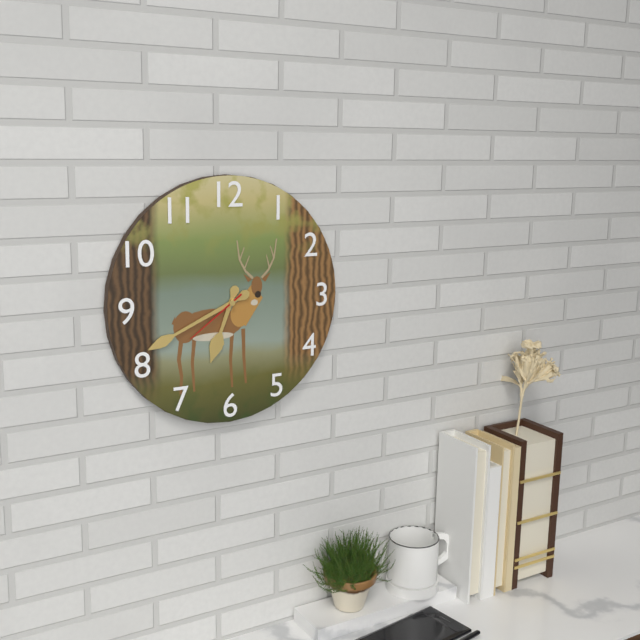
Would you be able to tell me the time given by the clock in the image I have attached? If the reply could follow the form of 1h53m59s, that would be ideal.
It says 6h41m39s
